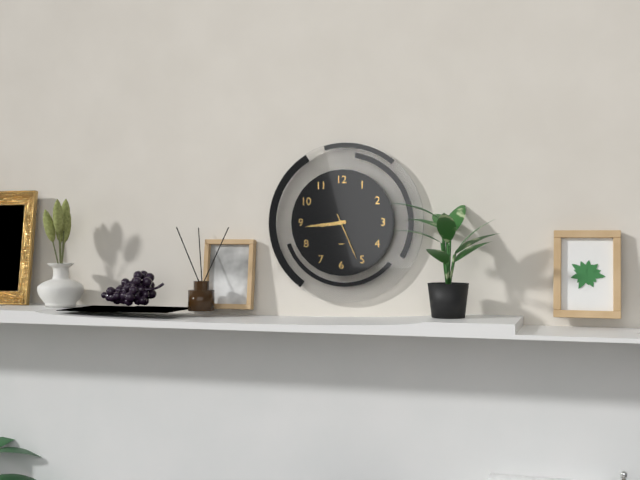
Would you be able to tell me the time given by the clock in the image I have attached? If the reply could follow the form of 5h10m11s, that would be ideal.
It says 8h44m26s
